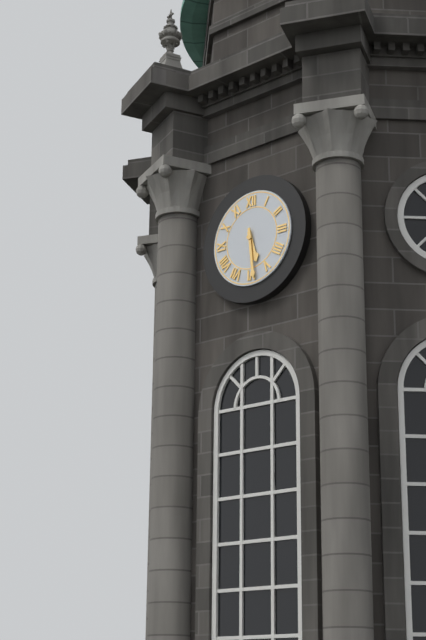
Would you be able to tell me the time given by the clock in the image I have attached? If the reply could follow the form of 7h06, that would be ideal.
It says 5h29
